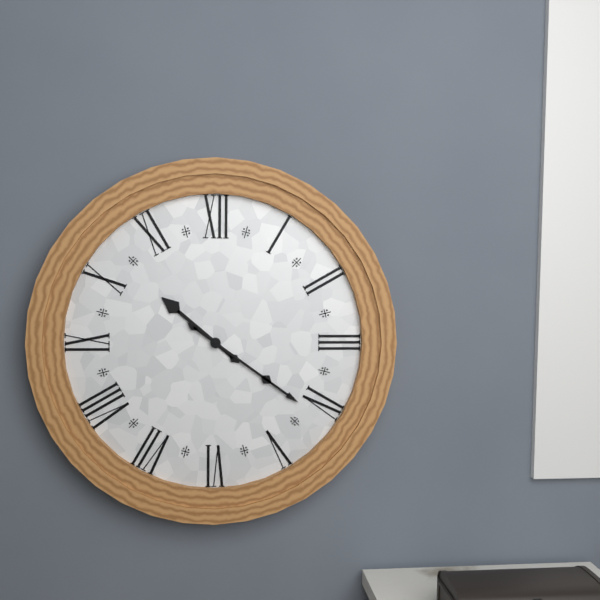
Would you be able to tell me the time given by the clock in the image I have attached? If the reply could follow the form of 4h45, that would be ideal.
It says 10h21
